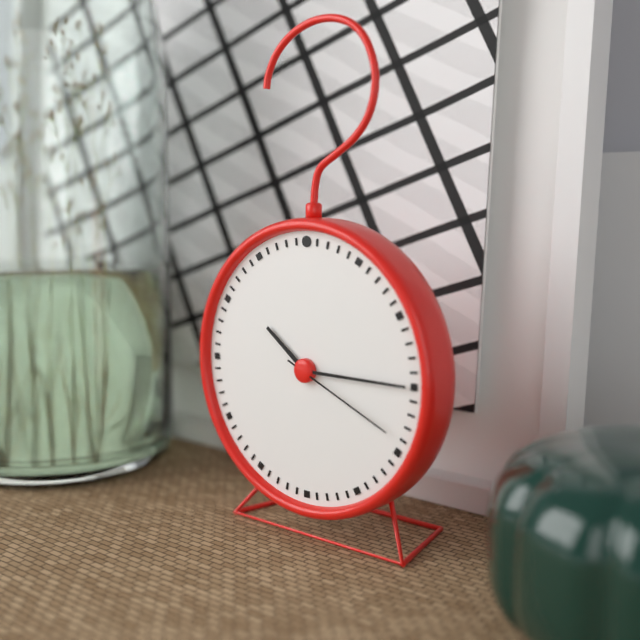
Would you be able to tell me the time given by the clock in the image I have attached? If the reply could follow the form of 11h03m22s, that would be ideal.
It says 10h15m19s
